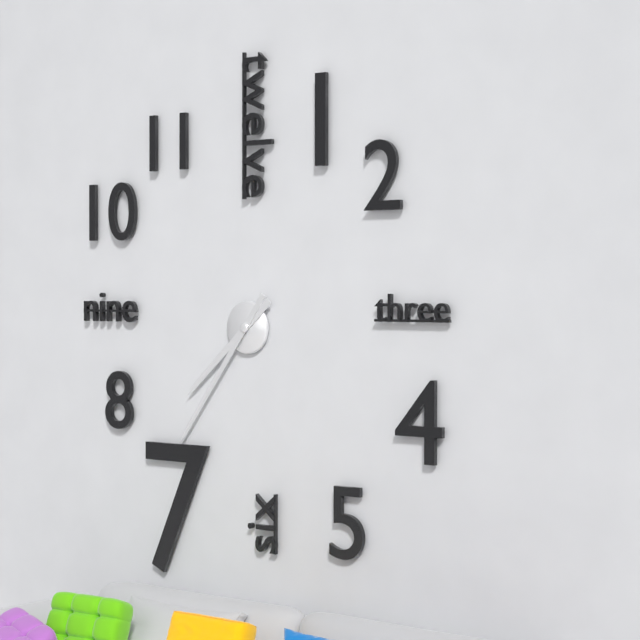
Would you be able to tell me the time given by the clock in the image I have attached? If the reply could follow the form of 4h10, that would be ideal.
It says 7h36
